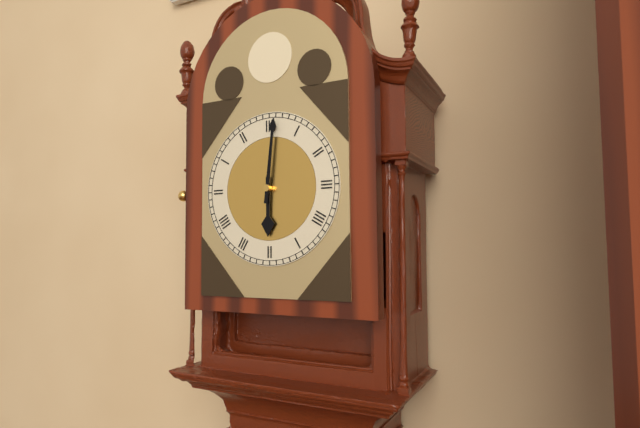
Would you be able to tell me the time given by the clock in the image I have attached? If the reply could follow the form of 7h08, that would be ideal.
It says 6h01
